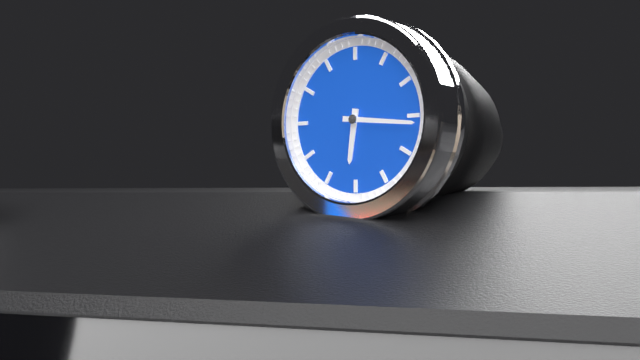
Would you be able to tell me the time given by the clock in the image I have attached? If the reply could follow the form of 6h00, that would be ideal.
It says 6h16
